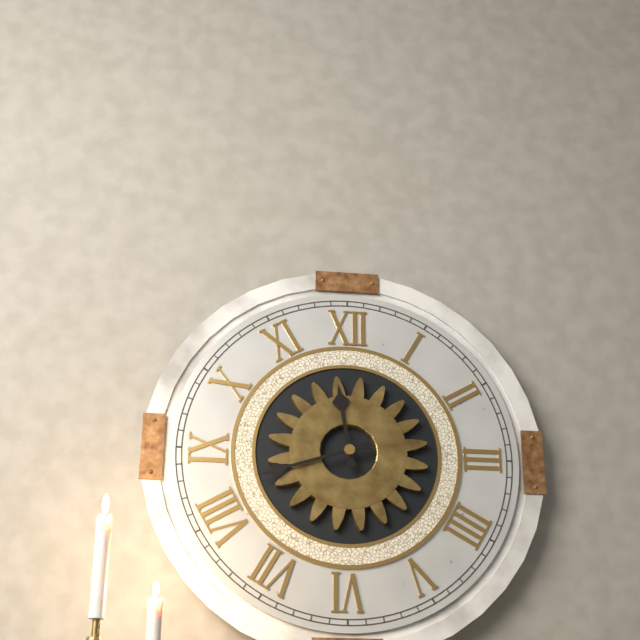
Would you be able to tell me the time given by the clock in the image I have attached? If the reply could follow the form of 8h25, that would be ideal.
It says 11h42
